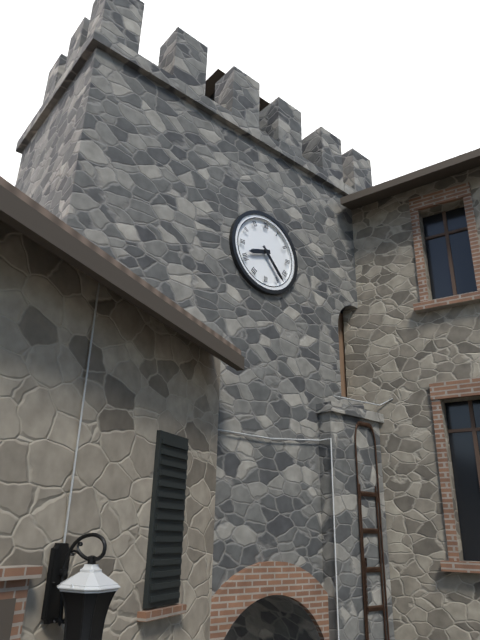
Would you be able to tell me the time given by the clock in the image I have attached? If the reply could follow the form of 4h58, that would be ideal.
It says 8h23
